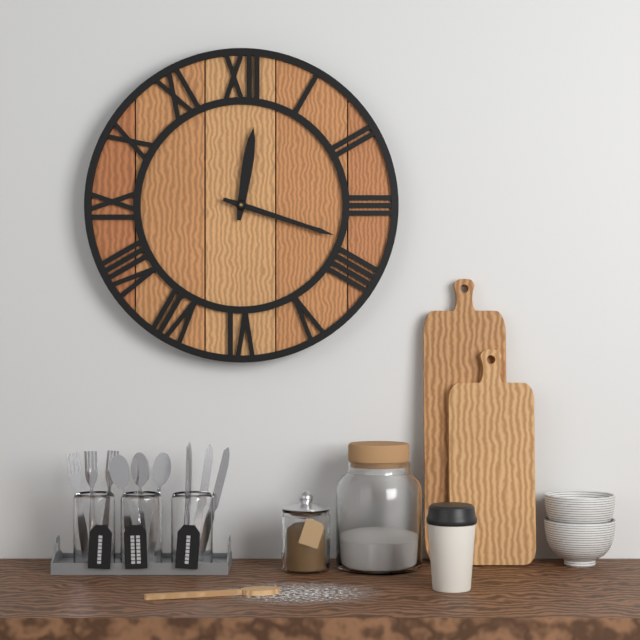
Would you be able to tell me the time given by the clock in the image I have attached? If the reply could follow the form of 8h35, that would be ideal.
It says 12h18
